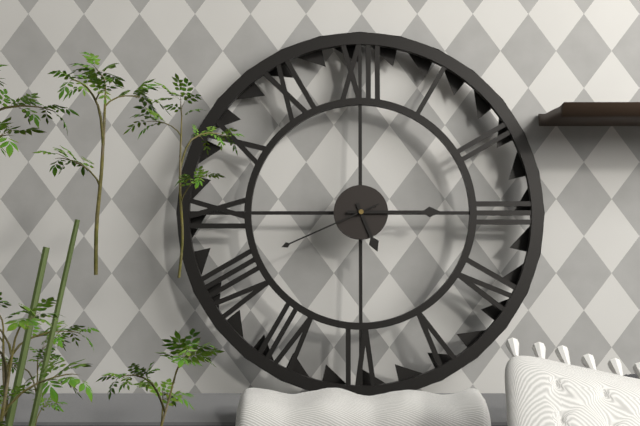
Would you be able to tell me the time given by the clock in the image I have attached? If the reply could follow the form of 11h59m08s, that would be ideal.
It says 5h15m41s
